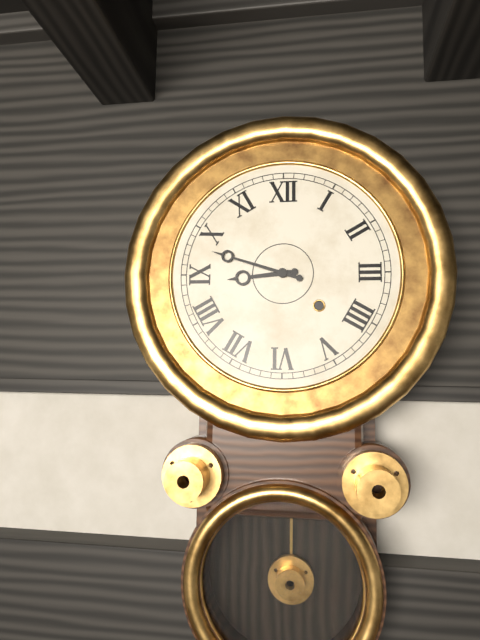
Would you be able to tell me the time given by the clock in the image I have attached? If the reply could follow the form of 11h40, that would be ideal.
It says 8h48
